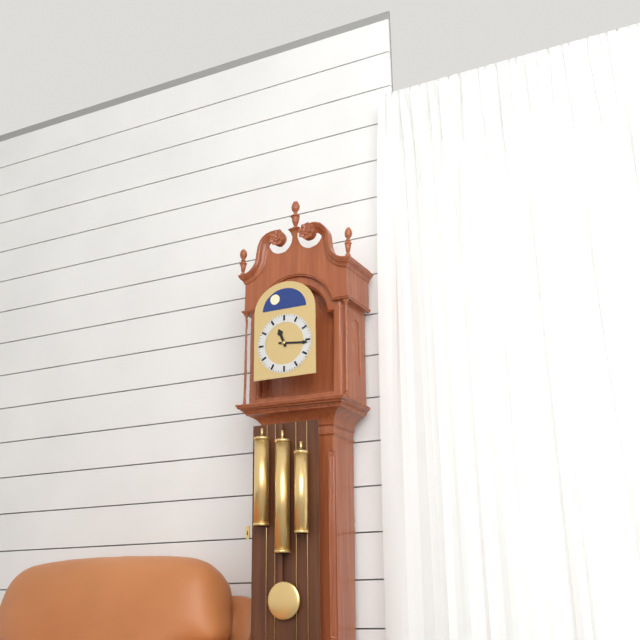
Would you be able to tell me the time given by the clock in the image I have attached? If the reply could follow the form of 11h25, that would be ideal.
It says 11h16
